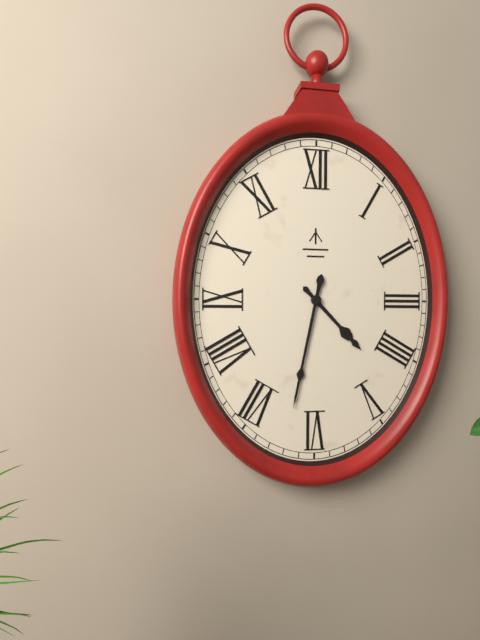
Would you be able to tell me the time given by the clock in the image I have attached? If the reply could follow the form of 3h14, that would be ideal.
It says 4h32
